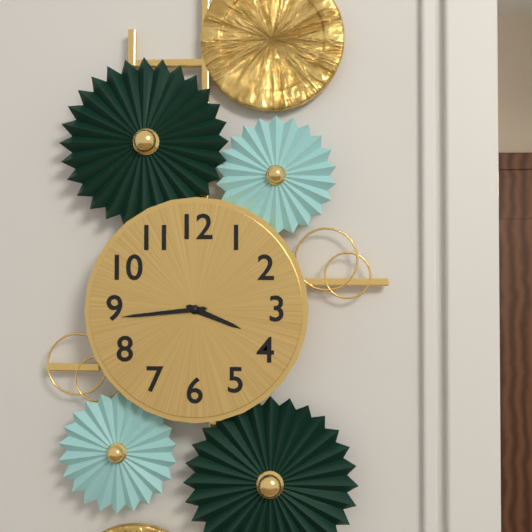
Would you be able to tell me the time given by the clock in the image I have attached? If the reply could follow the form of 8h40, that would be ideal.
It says 3h44
